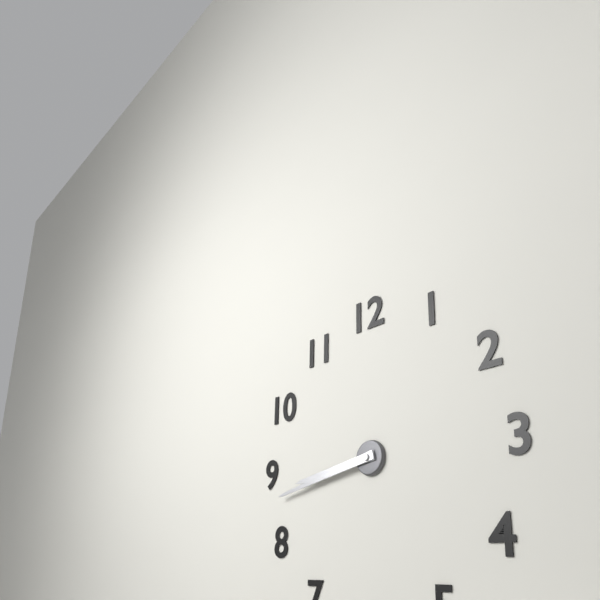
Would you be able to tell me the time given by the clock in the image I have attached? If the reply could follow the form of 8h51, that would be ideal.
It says 8h43
